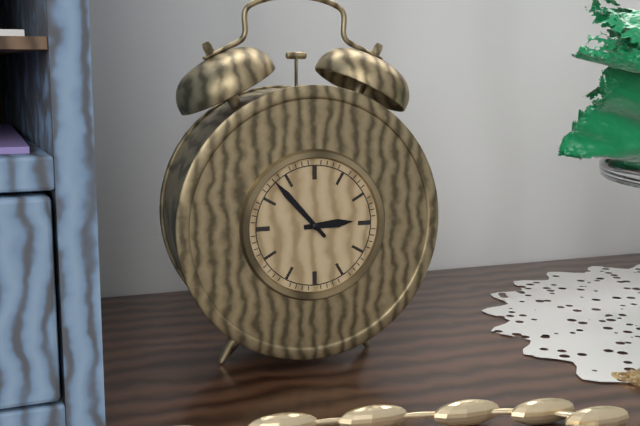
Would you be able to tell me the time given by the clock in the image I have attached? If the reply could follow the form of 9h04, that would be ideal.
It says 2h53
